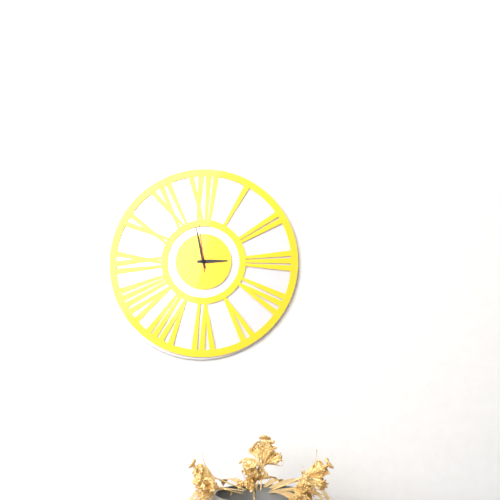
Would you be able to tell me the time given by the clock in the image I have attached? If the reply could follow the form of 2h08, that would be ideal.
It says 2h58
